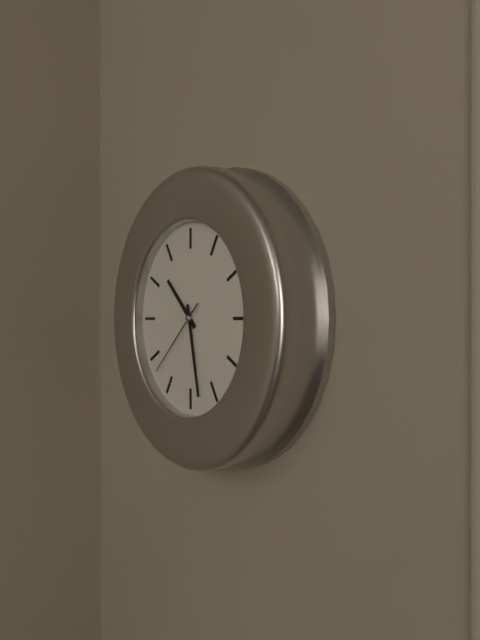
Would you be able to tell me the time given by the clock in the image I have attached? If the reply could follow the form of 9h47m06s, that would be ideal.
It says 10h28m38s
